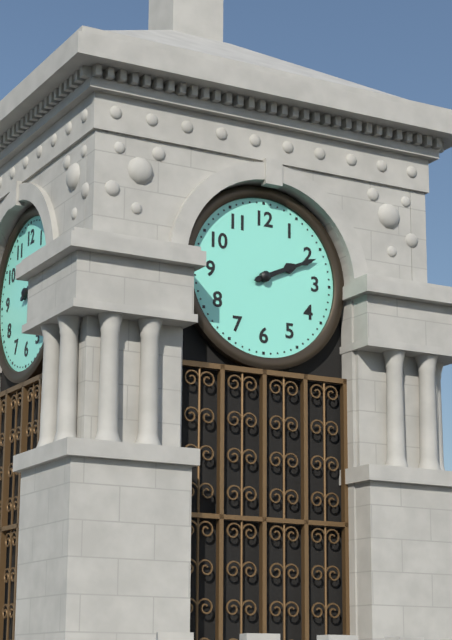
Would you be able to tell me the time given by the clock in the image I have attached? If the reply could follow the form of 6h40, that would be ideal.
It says 2h11
